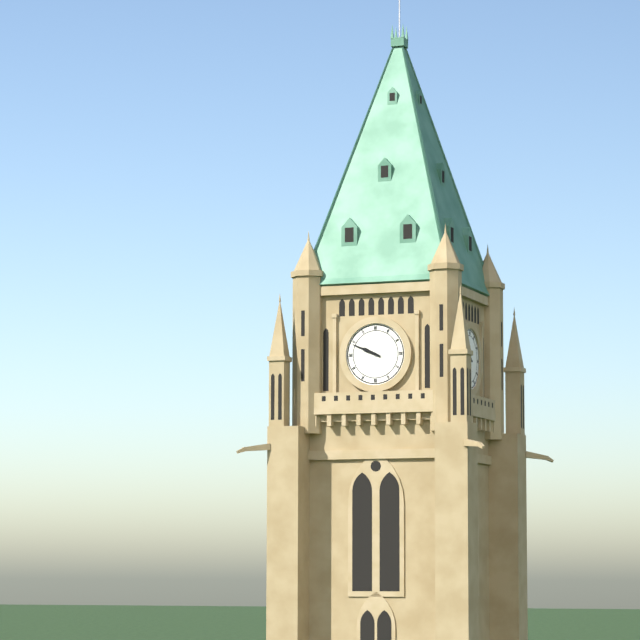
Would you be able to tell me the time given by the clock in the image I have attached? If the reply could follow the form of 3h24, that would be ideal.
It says 9h49
